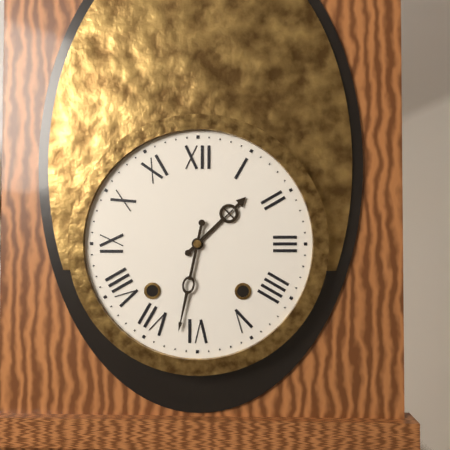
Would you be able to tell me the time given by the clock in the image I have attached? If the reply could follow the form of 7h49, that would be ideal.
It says 1h32
